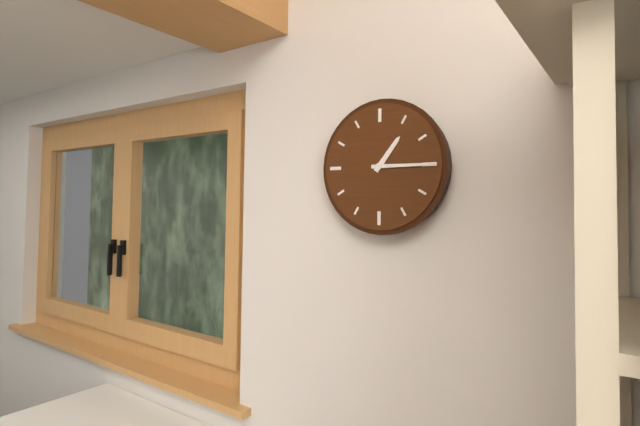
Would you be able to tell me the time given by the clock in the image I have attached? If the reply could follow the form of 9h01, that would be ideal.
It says 1h15
